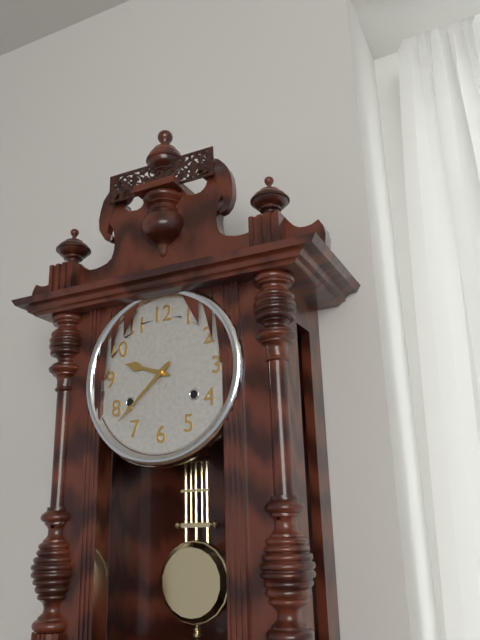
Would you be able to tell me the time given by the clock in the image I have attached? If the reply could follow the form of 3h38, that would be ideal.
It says 9h38
